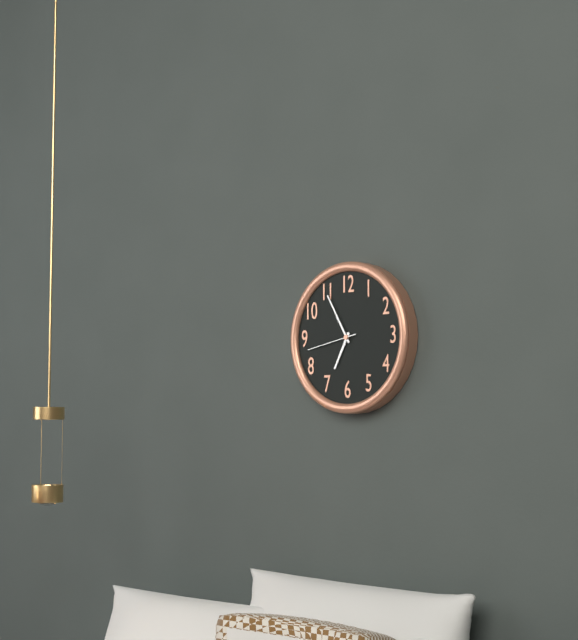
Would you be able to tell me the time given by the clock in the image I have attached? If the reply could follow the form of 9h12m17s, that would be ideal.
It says 6h55m43s
